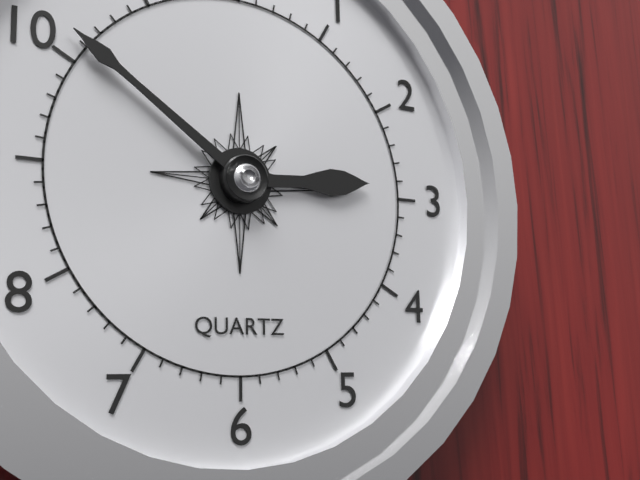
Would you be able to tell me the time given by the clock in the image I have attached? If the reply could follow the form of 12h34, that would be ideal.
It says 2h51
